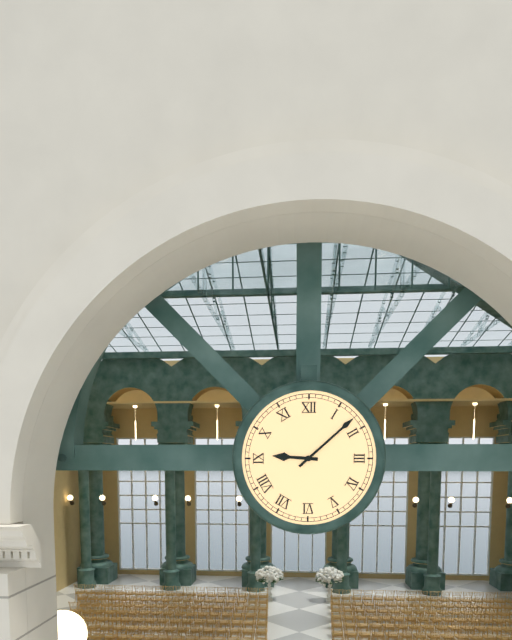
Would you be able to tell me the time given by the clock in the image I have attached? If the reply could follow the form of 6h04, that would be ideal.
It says 9h08
